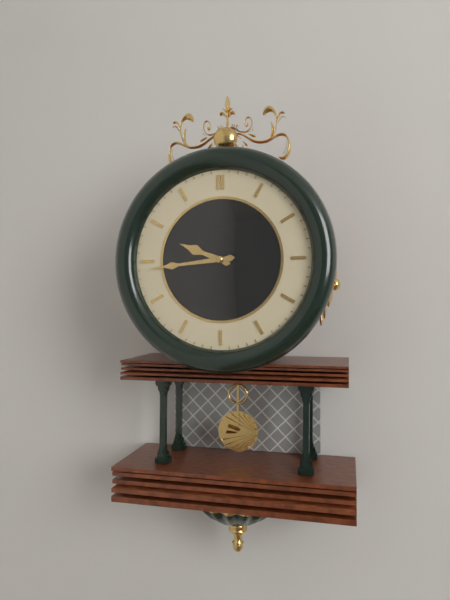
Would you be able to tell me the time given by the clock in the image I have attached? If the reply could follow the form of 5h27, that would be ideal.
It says 9h44
